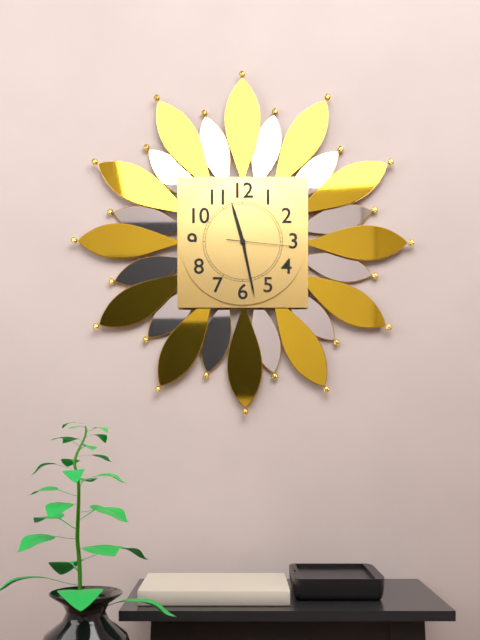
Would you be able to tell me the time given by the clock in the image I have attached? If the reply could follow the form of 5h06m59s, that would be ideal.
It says 11h28m16s
